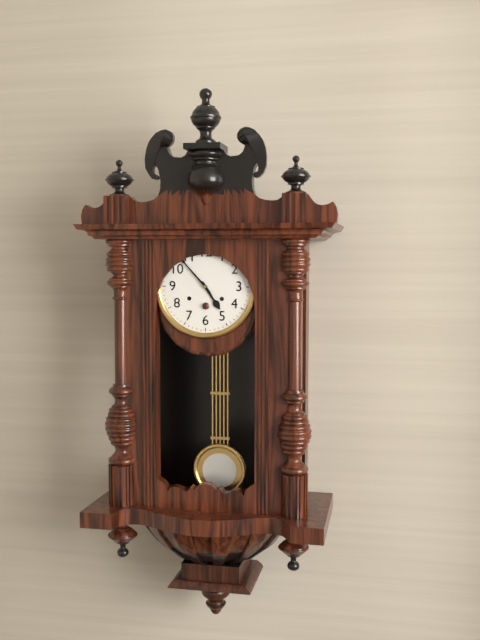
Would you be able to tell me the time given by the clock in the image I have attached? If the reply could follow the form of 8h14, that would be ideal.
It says 4h53
